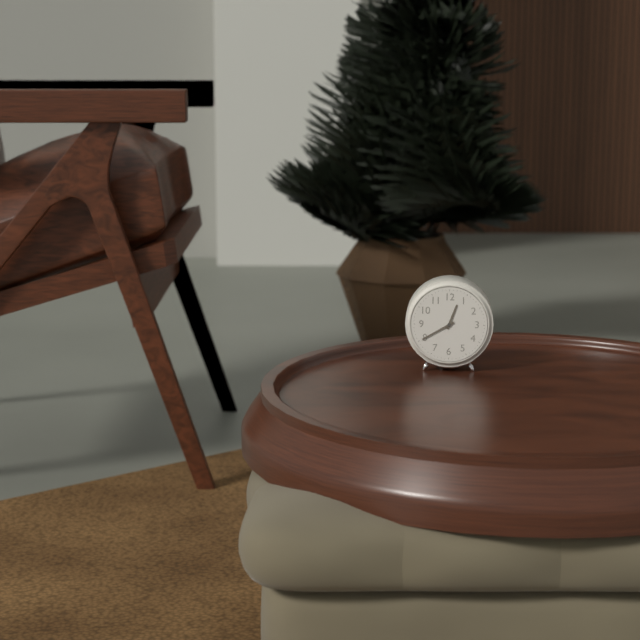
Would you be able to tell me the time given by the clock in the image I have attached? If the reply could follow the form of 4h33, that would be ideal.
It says 12h40
